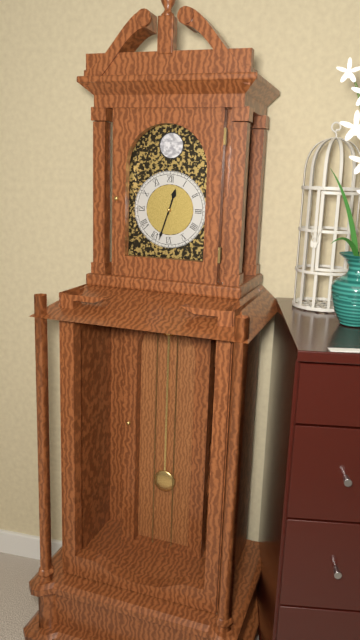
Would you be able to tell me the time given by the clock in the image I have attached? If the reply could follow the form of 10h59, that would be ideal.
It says 12h33
